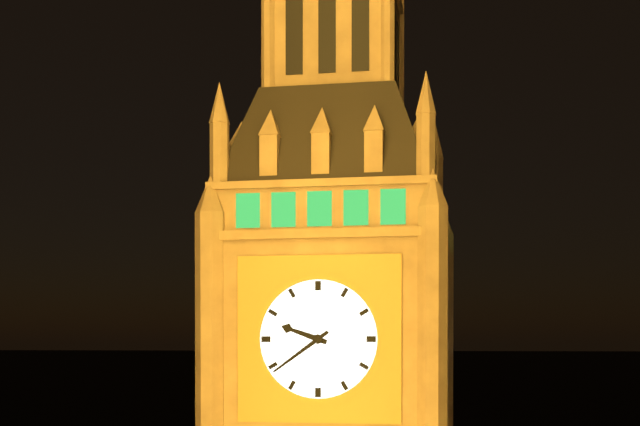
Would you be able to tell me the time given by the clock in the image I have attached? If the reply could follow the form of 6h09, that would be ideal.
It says 9h39
